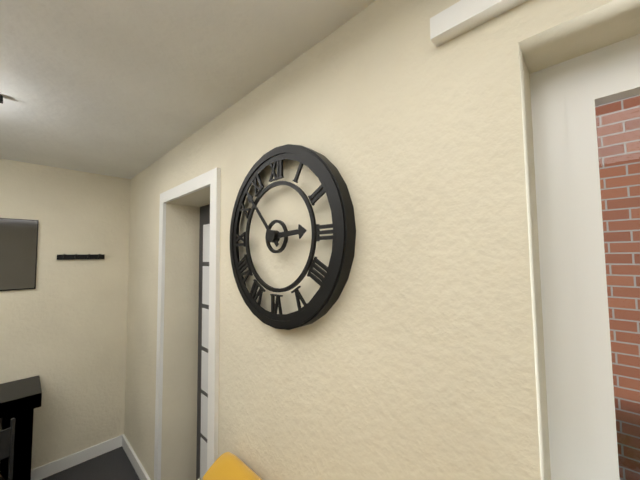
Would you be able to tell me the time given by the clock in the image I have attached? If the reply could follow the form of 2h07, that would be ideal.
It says 2h53
